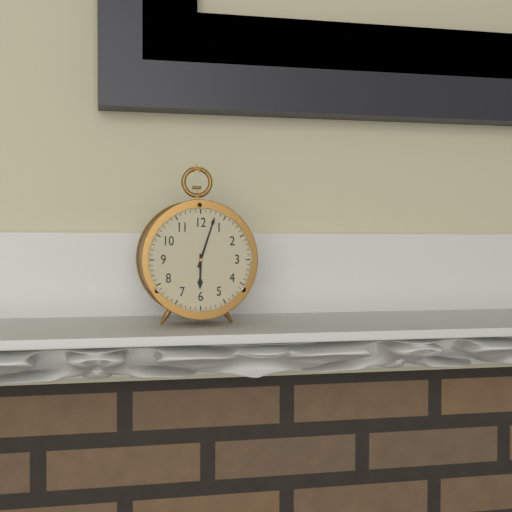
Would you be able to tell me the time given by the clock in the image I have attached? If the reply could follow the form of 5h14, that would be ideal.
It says 6h03
